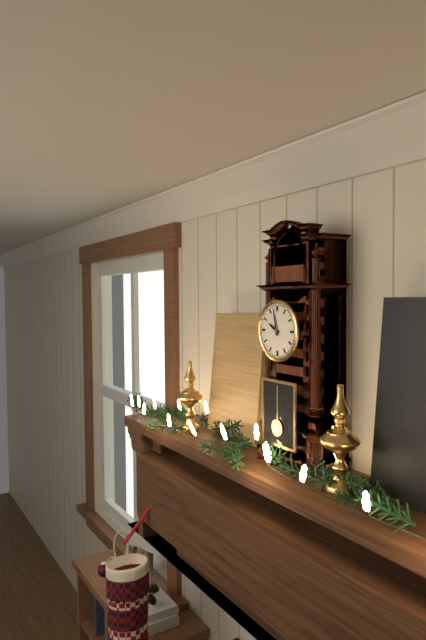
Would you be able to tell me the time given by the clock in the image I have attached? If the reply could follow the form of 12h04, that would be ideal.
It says 9h58
